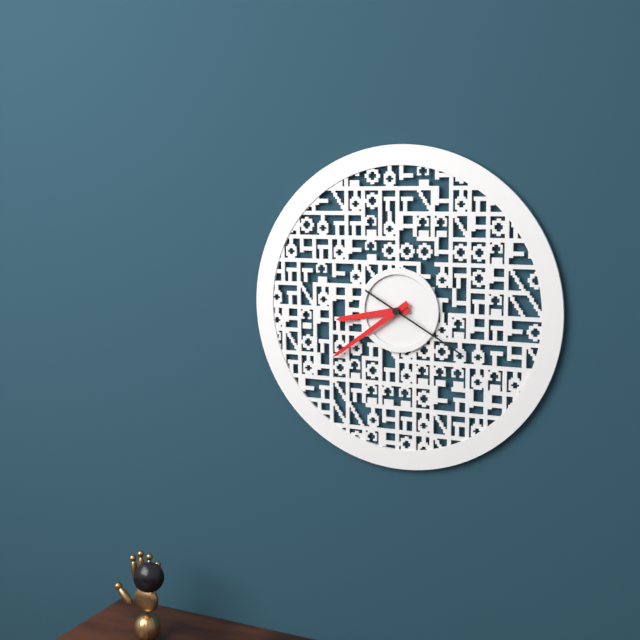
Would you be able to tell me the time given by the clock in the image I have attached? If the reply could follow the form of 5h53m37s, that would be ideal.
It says 8h39m20s
